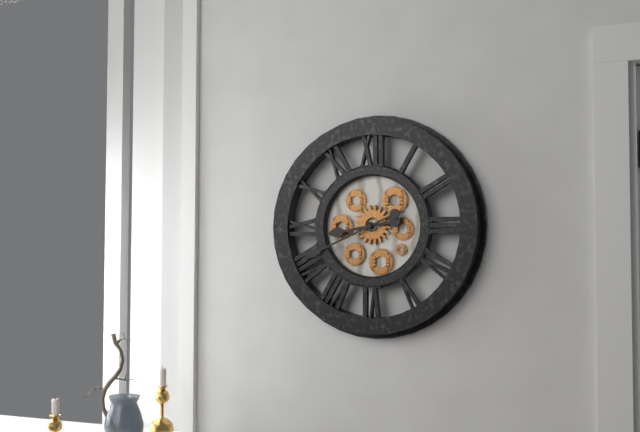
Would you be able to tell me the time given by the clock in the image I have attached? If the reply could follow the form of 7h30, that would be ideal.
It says 8h41
